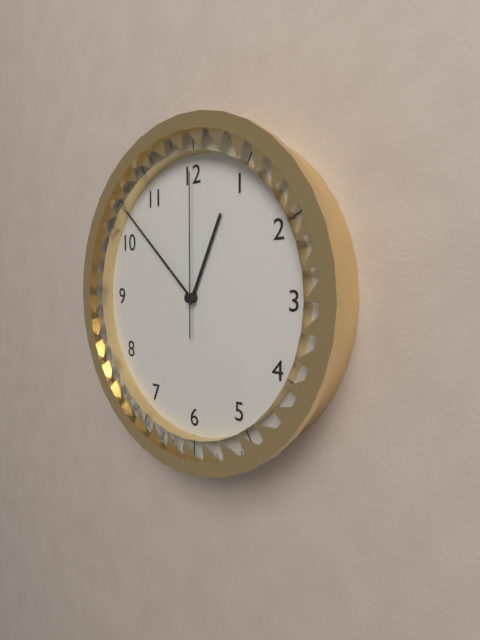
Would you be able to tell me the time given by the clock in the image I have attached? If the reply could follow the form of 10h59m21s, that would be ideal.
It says 12h52m00s
